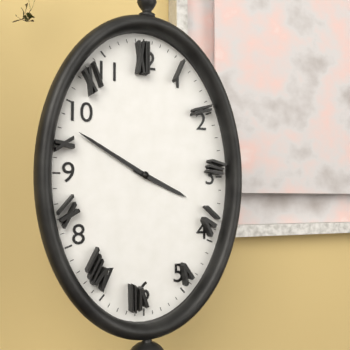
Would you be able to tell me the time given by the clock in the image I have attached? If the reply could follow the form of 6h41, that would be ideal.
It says 3h50
